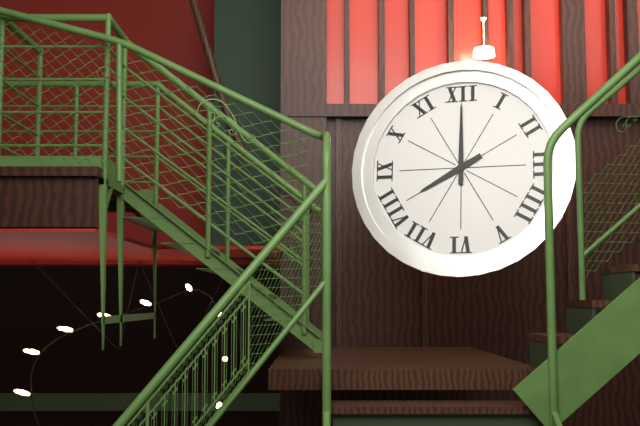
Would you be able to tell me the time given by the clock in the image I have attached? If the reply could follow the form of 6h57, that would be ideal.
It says 8h00
